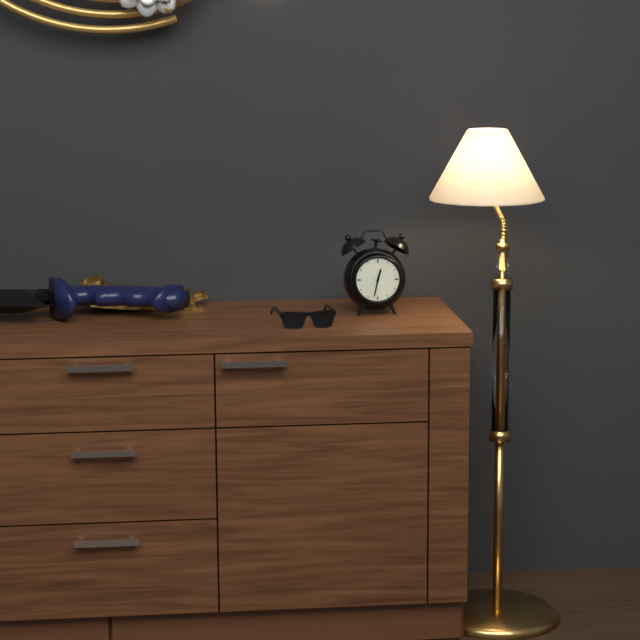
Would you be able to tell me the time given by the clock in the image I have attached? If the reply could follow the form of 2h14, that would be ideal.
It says 12h32
